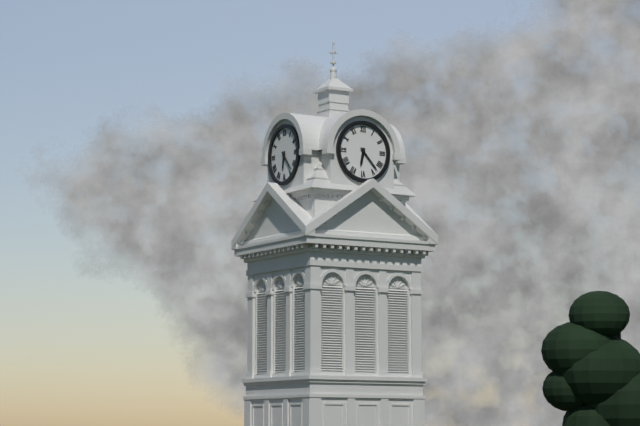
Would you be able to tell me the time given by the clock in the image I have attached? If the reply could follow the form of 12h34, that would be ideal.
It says 6h23
